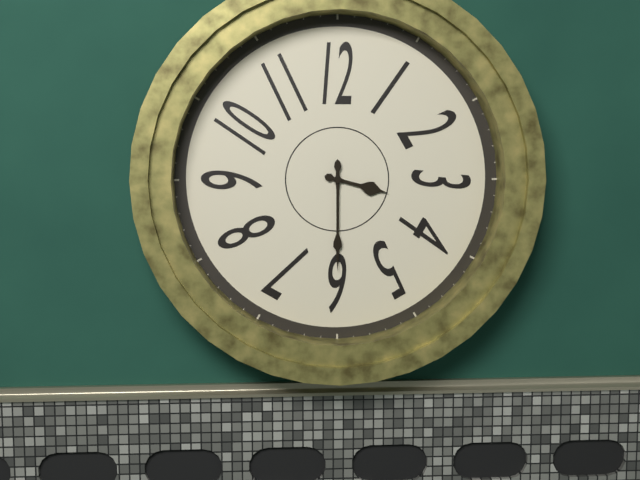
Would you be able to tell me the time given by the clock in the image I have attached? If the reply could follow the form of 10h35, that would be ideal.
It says 3h30
